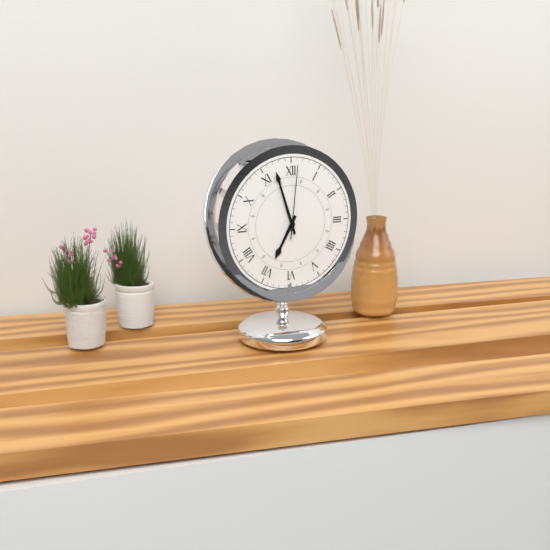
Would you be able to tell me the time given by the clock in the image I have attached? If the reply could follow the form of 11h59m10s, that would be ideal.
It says 6h57m01s
